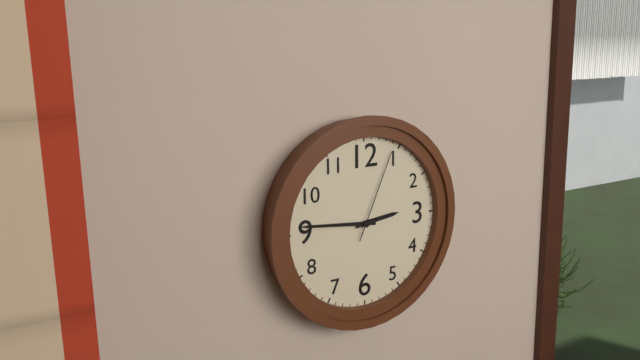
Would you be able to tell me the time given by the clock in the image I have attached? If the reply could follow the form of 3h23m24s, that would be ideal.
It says 2h46m04s
